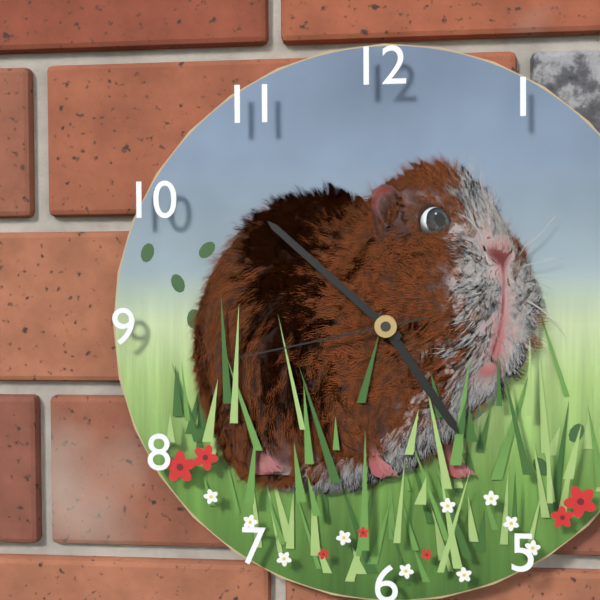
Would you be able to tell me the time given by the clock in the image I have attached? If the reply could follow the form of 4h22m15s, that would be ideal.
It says 4h52m43s
